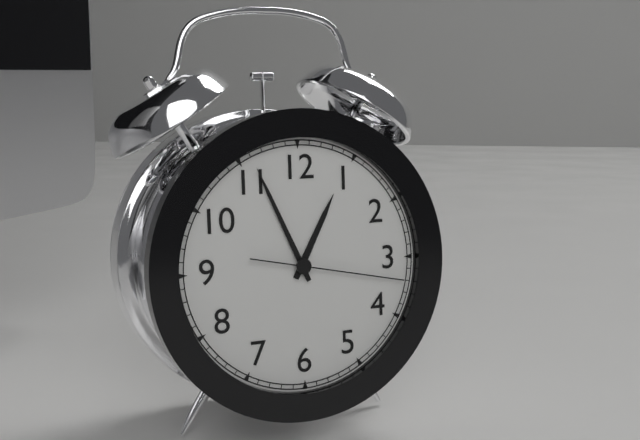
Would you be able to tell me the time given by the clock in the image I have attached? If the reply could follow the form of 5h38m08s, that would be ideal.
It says 12h56m17s
